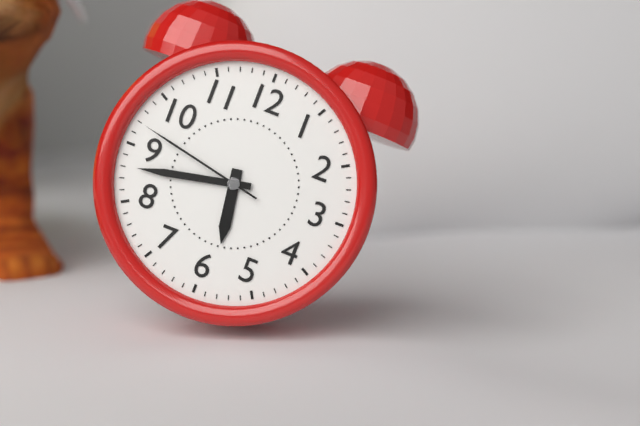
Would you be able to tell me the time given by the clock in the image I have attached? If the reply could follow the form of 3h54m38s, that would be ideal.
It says 5h43m47s
